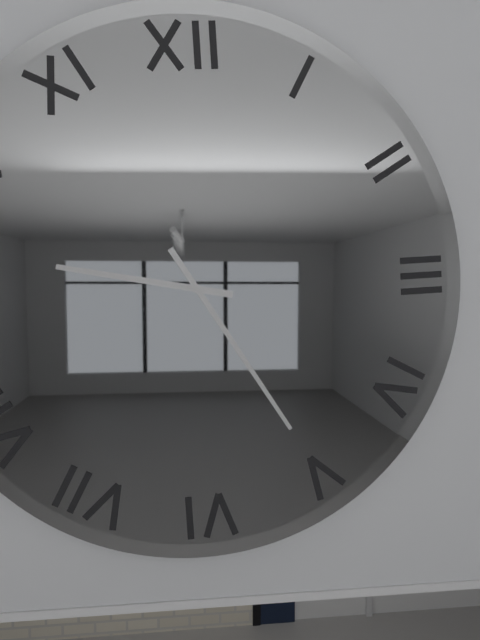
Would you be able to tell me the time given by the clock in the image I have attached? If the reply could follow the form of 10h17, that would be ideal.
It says 9h25
